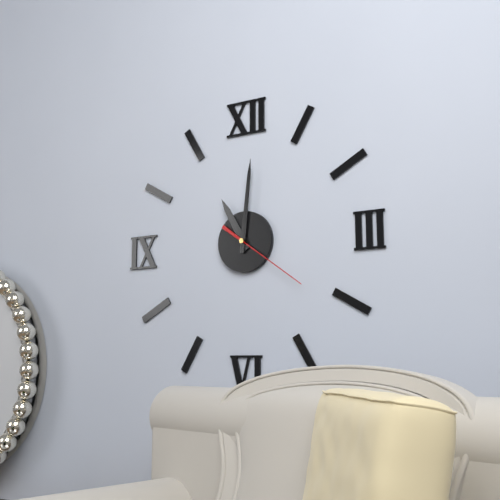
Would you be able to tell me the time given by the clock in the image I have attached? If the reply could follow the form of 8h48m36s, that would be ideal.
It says 11h01m21s
